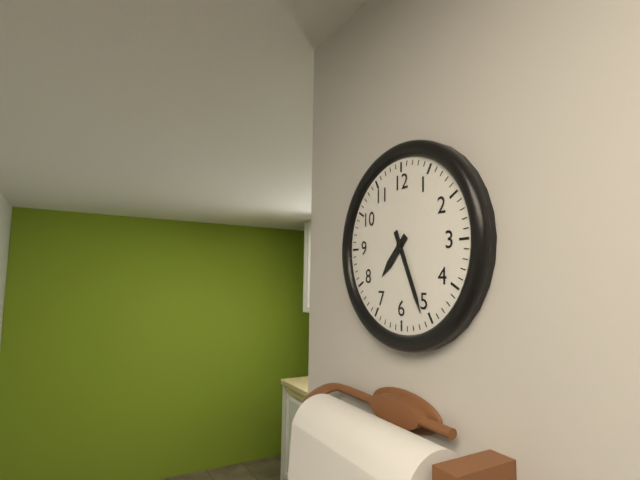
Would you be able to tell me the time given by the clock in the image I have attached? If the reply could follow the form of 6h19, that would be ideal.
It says 7h26
